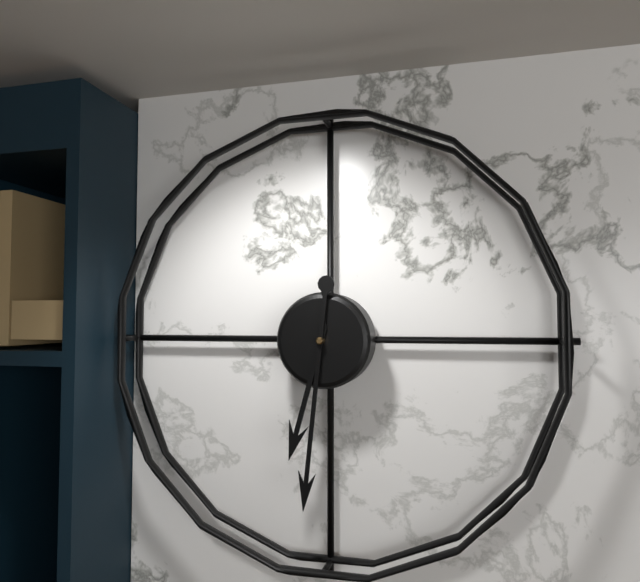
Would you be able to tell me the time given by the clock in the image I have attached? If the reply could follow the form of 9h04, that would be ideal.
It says 6h31
